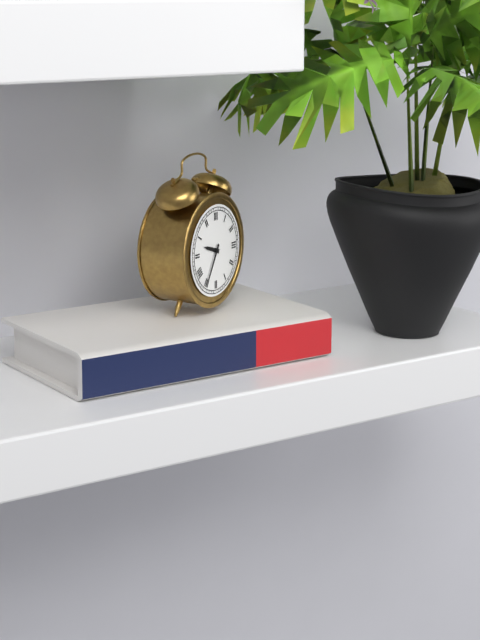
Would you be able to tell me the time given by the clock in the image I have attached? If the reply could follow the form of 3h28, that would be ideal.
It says 9h35
